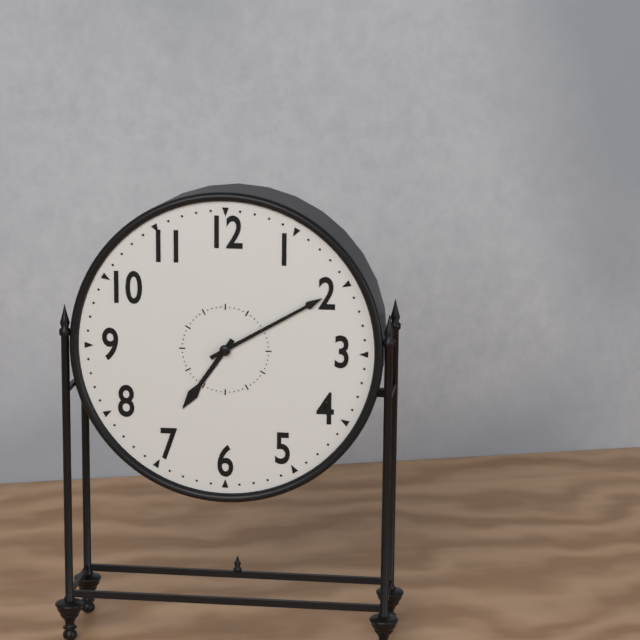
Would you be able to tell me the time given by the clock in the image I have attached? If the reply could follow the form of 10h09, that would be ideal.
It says 7h10
